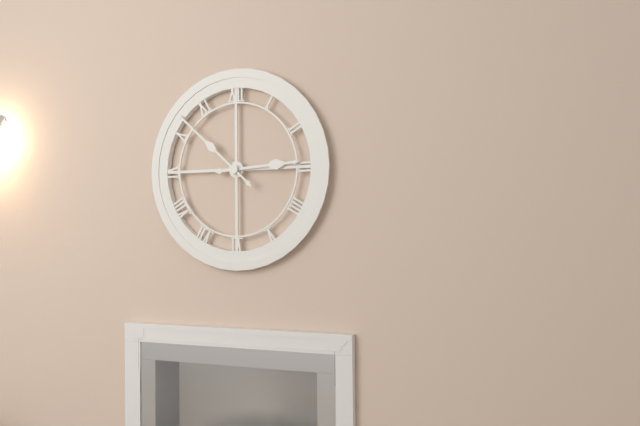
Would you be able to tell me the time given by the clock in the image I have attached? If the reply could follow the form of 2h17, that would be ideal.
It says 2h52
